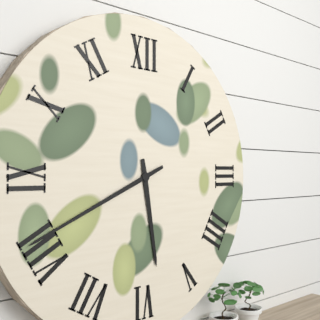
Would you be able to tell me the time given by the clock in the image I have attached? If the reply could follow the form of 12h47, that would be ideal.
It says 5h41
